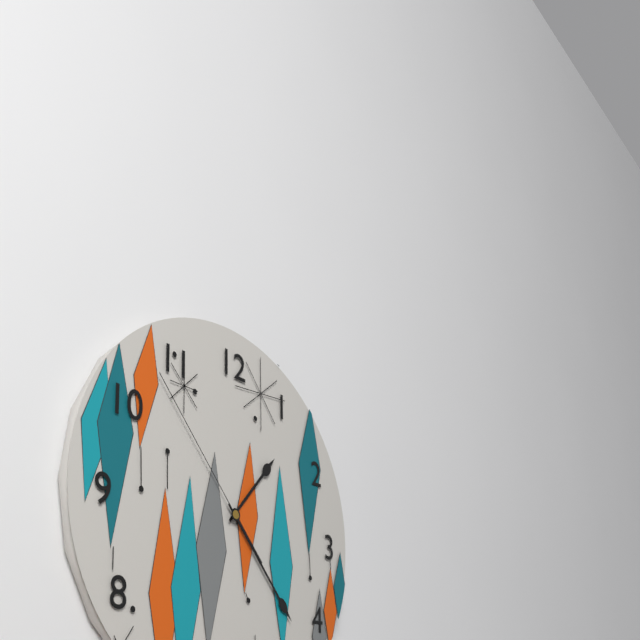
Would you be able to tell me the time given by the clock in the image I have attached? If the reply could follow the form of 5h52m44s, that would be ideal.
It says 1h23m53s
